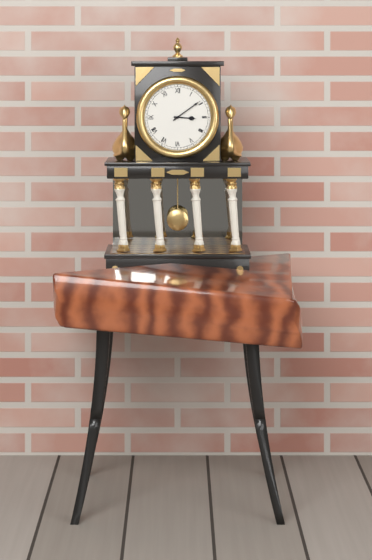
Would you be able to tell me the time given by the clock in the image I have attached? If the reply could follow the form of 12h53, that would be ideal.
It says 3h09
